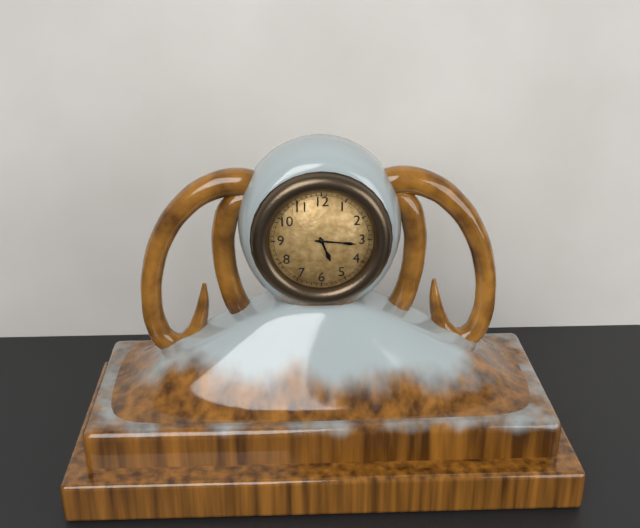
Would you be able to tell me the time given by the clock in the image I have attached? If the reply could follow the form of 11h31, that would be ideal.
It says 5h16
